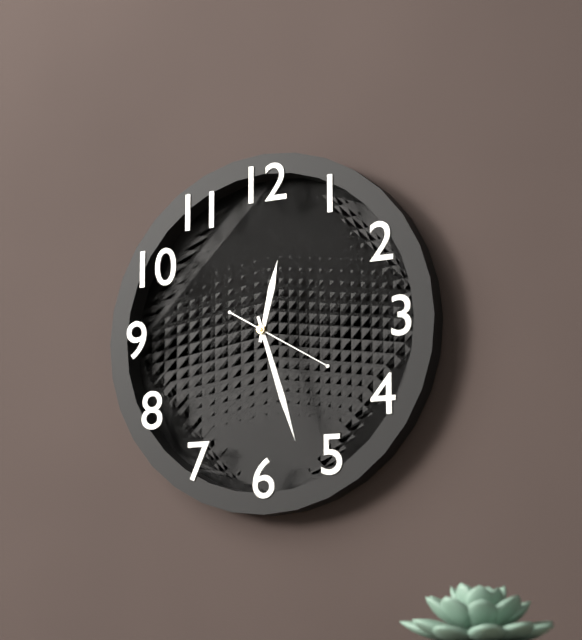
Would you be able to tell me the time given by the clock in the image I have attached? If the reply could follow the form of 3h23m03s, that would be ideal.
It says 12h27m20s
